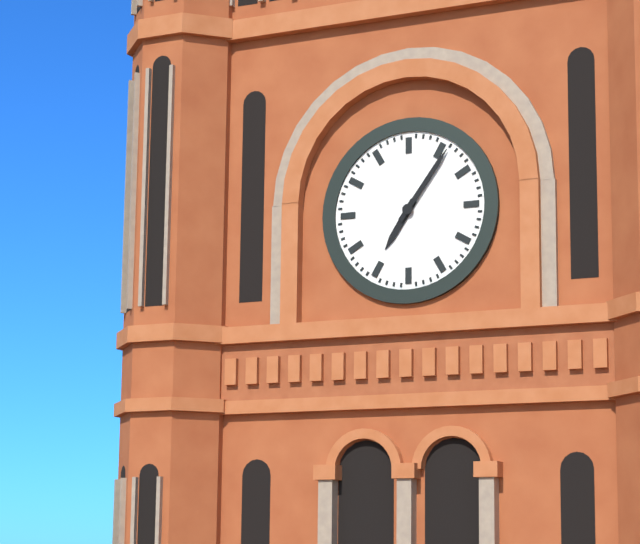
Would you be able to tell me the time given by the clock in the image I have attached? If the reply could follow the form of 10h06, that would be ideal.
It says 7h06
